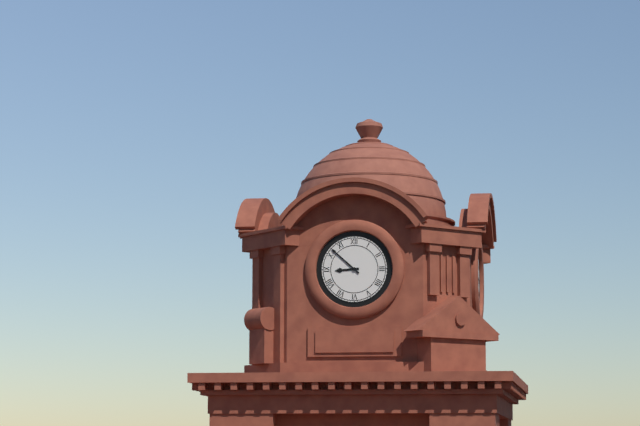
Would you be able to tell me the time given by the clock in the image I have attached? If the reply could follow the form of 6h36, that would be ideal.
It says 8h52
